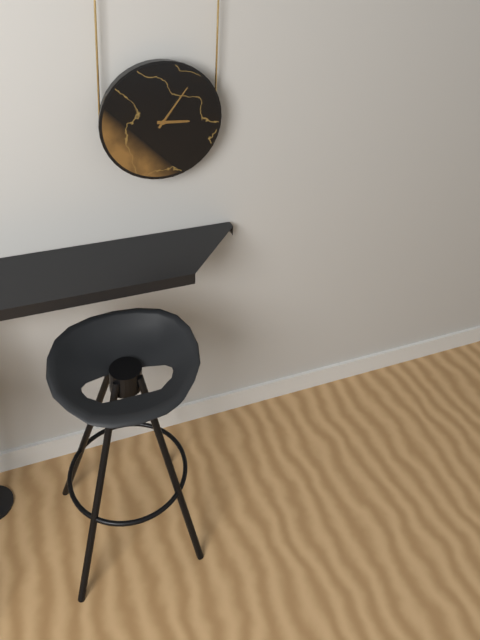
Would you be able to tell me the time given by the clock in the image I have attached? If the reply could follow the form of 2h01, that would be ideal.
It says 3h06
